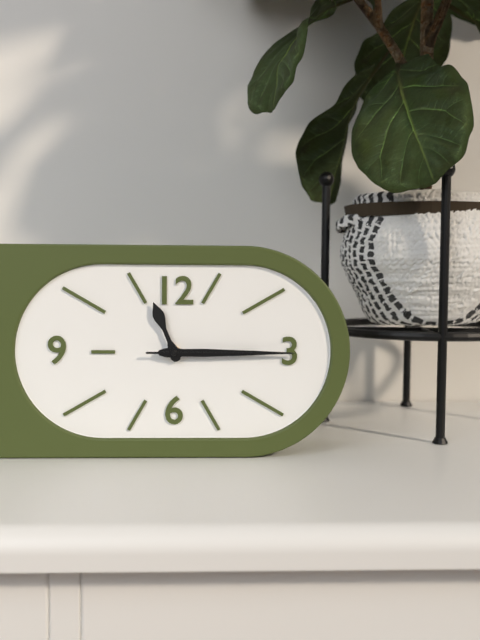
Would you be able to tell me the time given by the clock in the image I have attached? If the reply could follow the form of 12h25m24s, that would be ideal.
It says 11h15m15s
